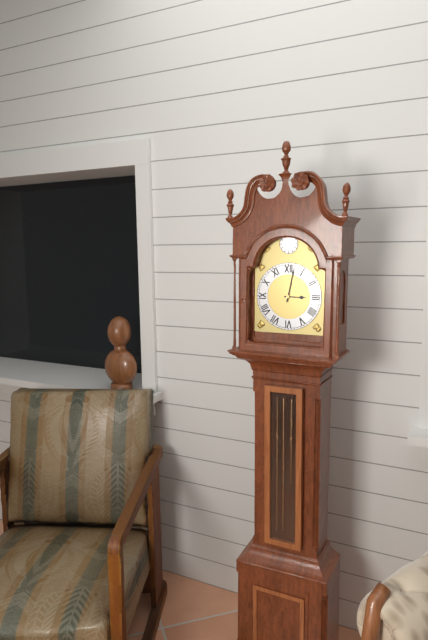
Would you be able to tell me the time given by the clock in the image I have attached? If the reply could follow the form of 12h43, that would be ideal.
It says 3h02
